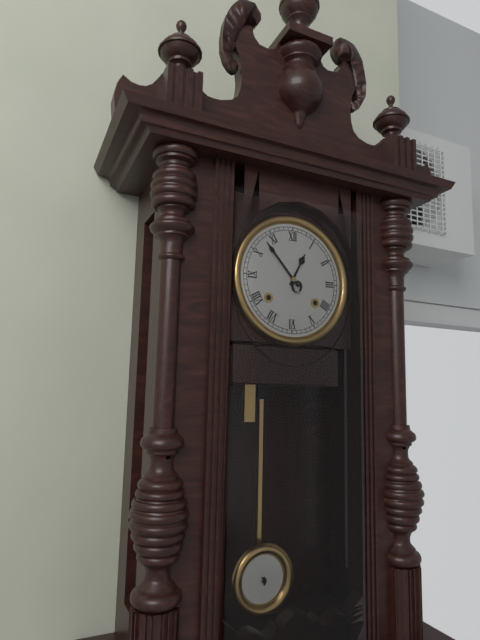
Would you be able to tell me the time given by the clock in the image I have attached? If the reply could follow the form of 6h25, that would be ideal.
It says 12h53
